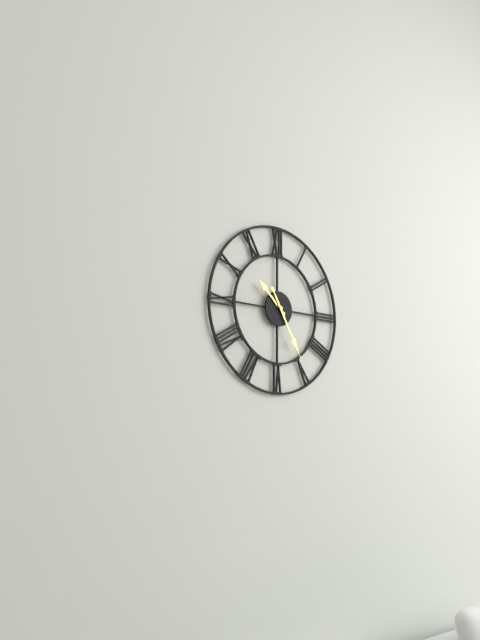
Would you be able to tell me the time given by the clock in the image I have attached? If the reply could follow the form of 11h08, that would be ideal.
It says 10h25
